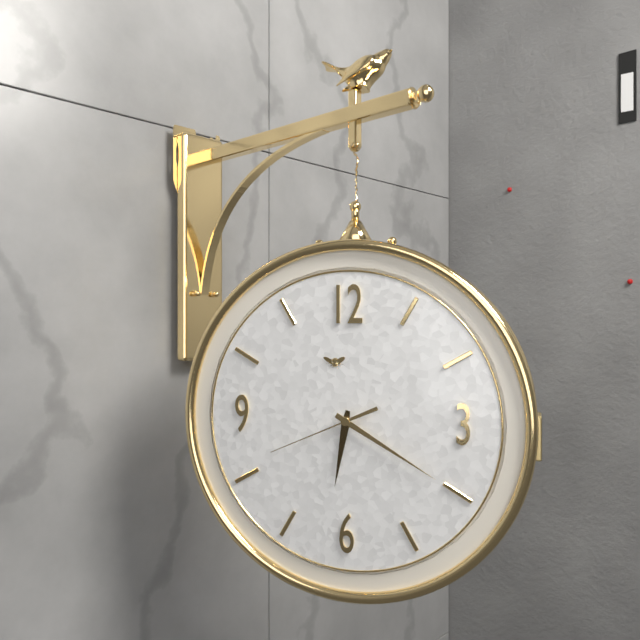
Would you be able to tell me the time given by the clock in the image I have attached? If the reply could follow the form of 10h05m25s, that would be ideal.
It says 6h20m41s
